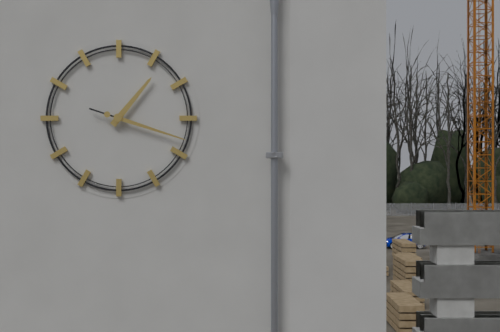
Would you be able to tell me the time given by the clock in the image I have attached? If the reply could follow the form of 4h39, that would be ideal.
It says 1h18
